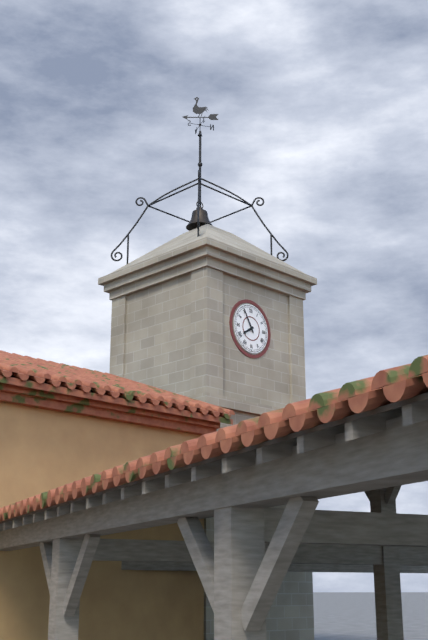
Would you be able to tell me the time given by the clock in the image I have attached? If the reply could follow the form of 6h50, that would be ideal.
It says 7h55
